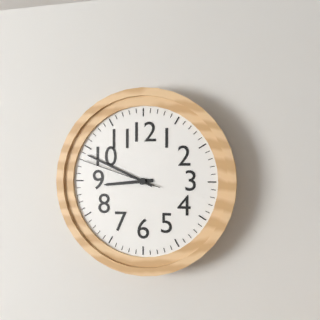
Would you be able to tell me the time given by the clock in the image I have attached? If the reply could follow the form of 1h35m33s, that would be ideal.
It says 8h49m48s
